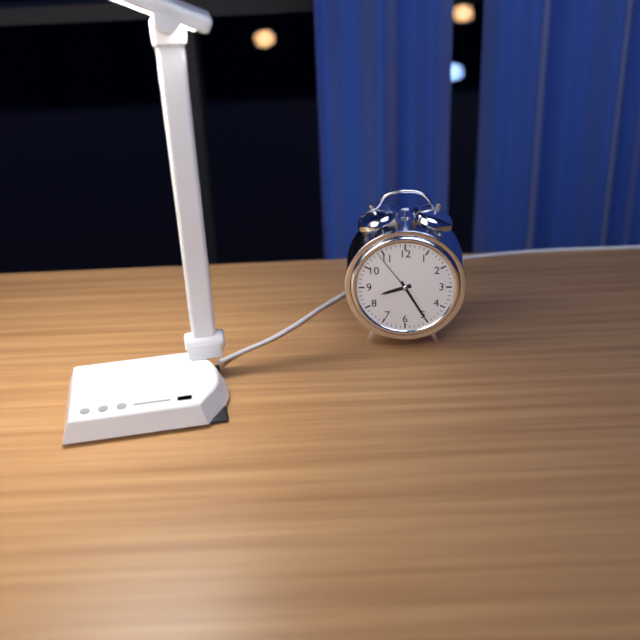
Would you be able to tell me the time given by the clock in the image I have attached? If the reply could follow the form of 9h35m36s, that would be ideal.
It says 8h25m54s
